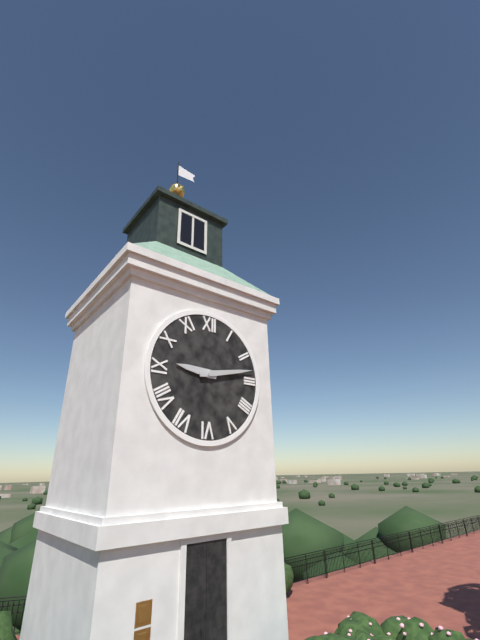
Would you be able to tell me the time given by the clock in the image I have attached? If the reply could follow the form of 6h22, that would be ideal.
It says 9h13
